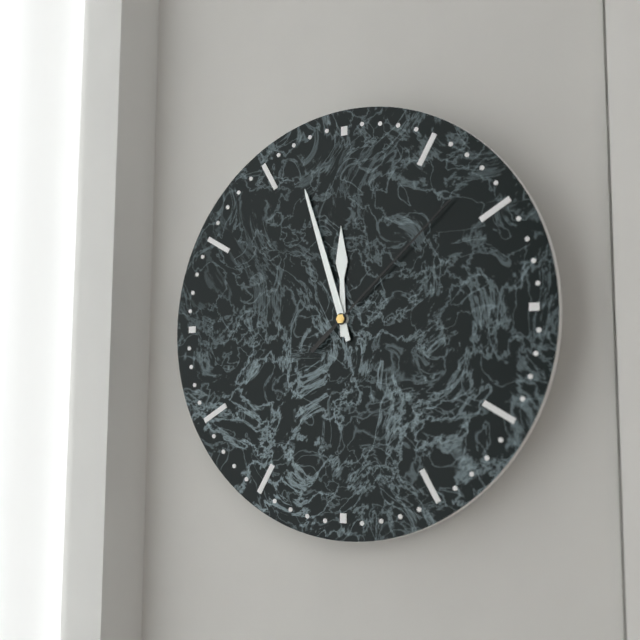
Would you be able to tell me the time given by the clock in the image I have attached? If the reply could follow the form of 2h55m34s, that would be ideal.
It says 11h57m08s
